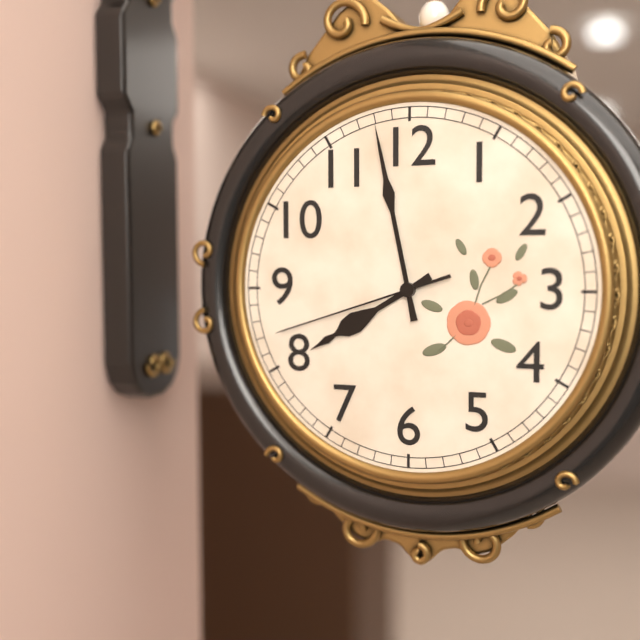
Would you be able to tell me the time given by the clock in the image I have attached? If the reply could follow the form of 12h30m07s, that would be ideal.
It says 7h58m42s
